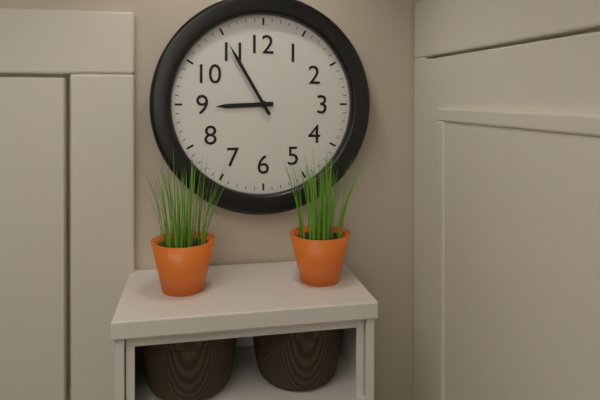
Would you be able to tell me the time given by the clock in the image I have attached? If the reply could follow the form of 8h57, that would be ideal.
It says 8h55
